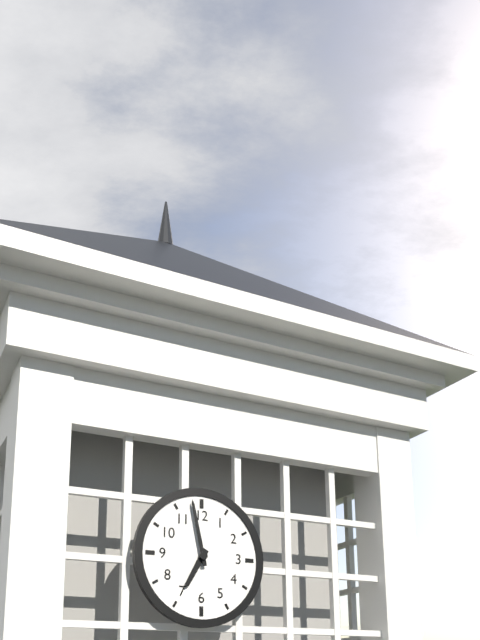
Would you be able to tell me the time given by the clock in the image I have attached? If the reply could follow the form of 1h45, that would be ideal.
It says 6h58
